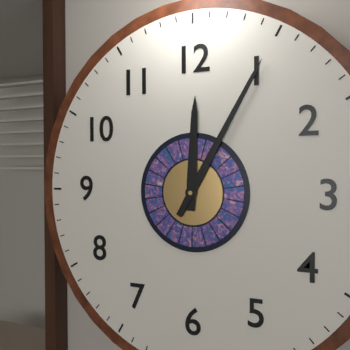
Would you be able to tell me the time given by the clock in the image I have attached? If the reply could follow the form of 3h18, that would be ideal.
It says 12h05
